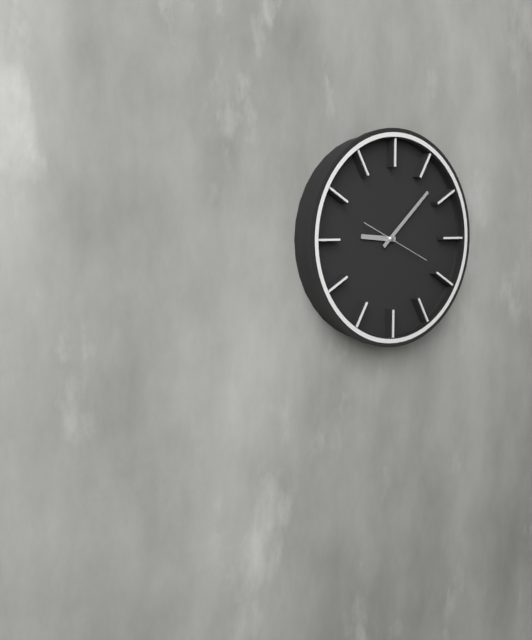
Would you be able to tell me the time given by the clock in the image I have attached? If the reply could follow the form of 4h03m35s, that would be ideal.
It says 9h08m19s
